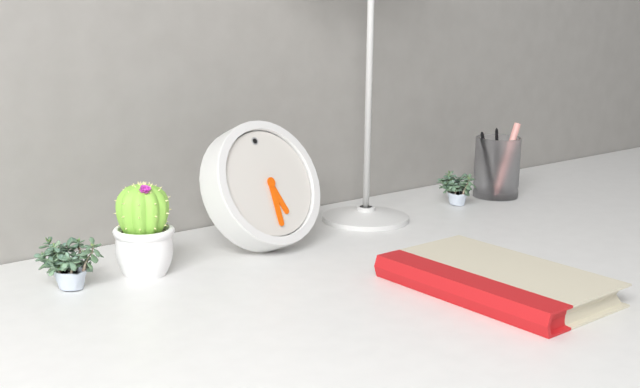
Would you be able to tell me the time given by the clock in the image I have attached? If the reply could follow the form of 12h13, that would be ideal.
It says 5h31
